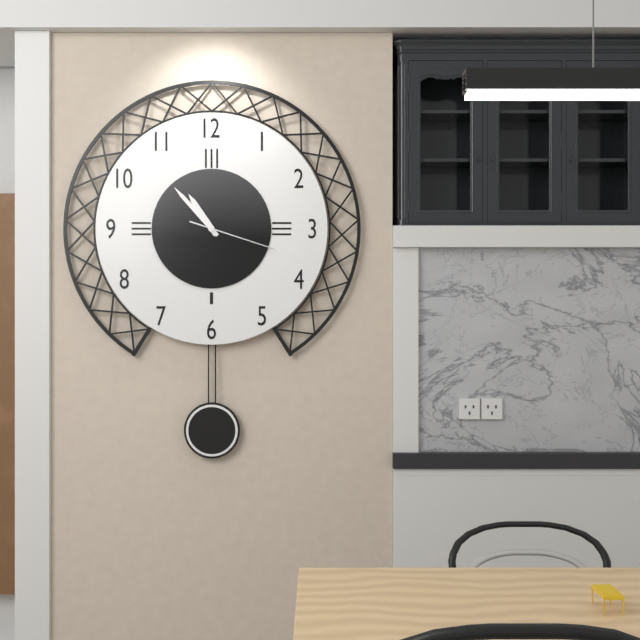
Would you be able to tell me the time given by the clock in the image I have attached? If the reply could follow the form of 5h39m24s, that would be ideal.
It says 10h53m18s
